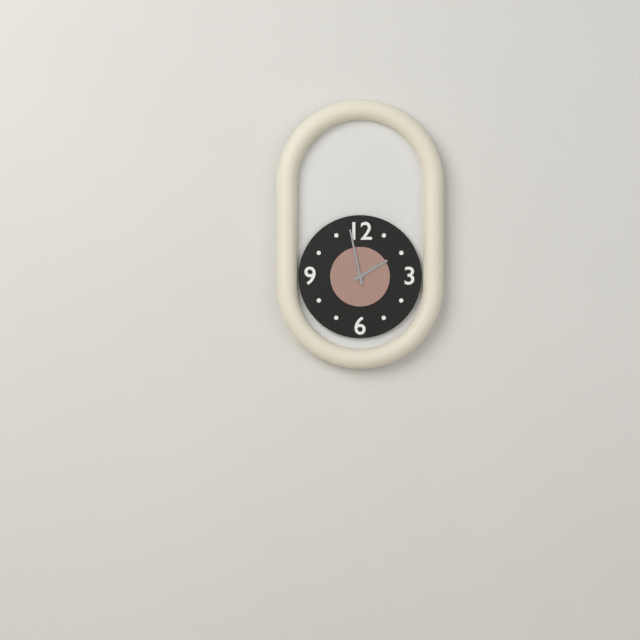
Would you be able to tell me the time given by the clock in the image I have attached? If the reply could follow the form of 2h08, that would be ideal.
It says 1h58
